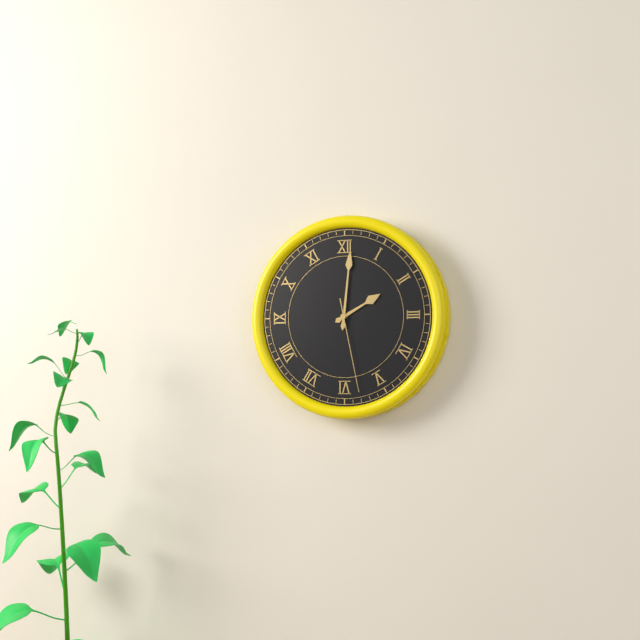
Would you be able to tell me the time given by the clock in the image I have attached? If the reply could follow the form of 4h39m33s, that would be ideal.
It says 2h01m28s
